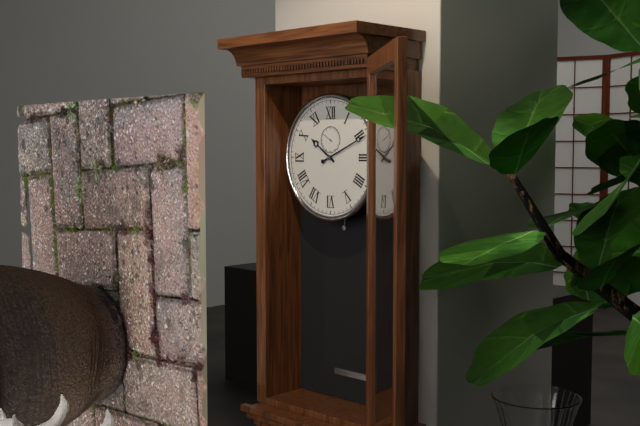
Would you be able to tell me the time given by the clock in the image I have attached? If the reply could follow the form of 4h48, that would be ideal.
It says 10h11
